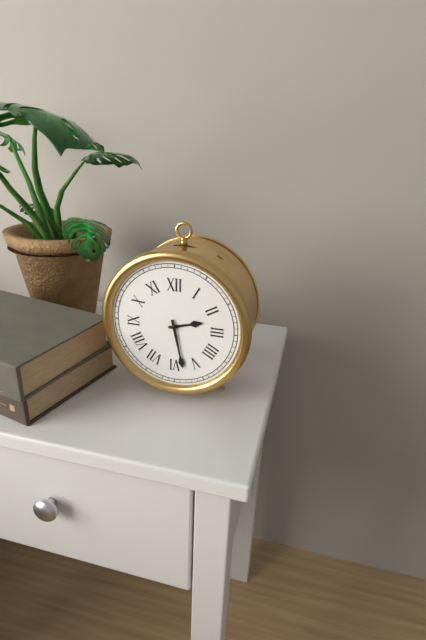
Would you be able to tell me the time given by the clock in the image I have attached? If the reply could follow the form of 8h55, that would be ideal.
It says 2h28
